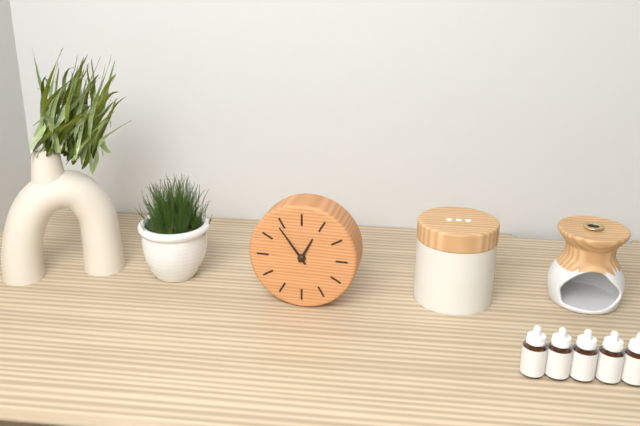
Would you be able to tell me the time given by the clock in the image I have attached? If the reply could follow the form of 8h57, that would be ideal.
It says 12h54
